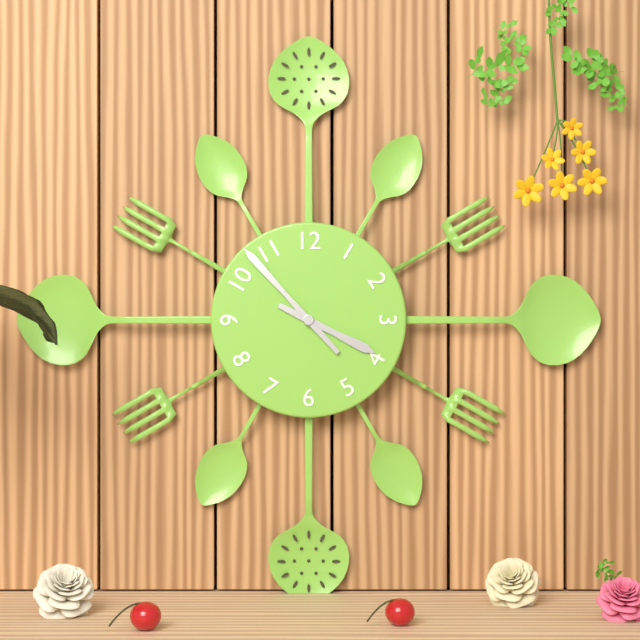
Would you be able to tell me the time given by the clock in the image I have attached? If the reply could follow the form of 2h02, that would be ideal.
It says 3h53
